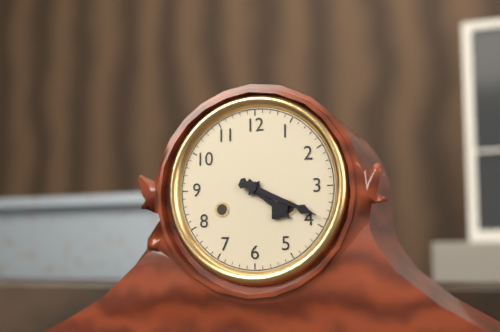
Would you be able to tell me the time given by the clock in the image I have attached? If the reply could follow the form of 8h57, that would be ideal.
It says 4h19
